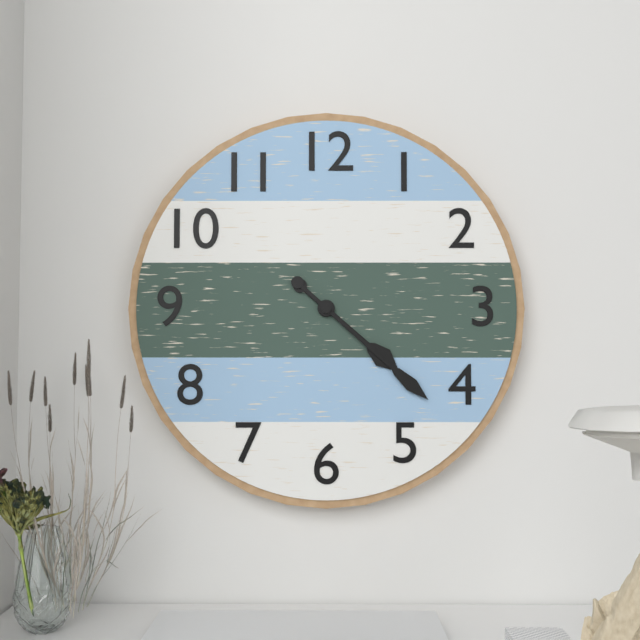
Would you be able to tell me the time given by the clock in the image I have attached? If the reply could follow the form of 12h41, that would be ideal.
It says 4h22
